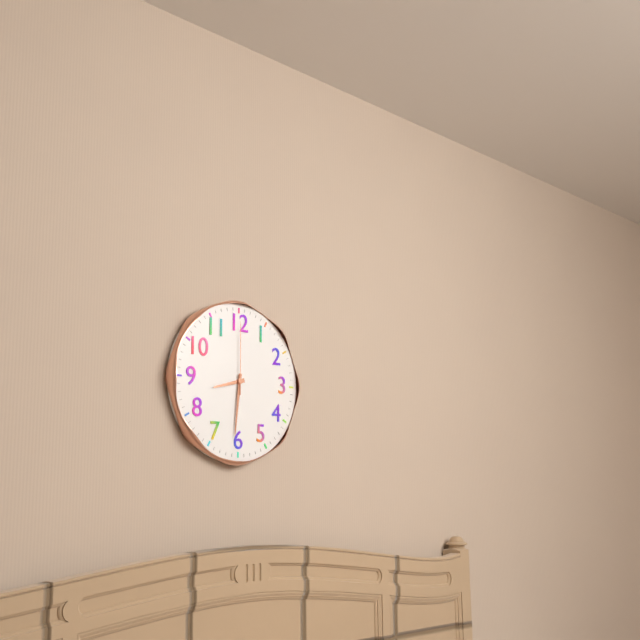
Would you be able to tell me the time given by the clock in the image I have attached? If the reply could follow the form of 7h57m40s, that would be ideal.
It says 8h31m00s
